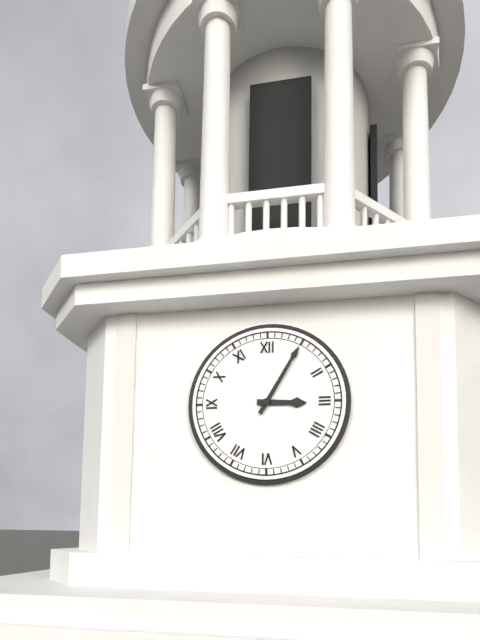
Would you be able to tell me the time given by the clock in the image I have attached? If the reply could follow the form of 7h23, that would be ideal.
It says 3h05
